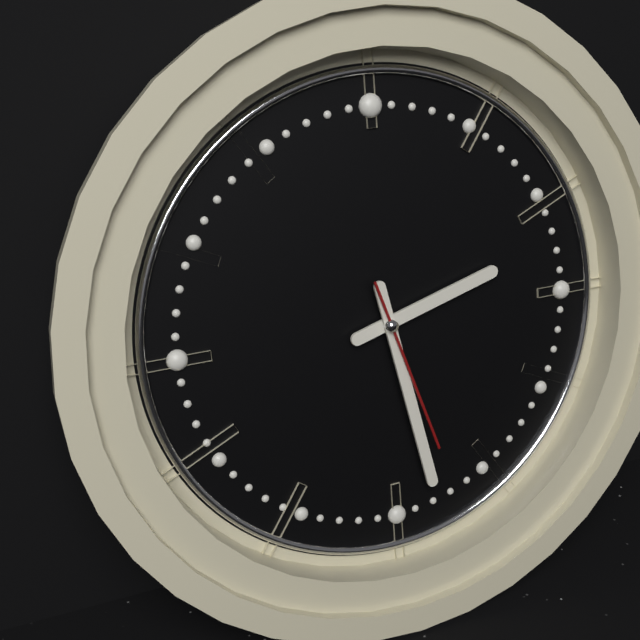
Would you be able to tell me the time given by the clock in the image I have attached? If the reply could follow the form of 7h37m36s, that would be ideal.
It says 2h28m27s
